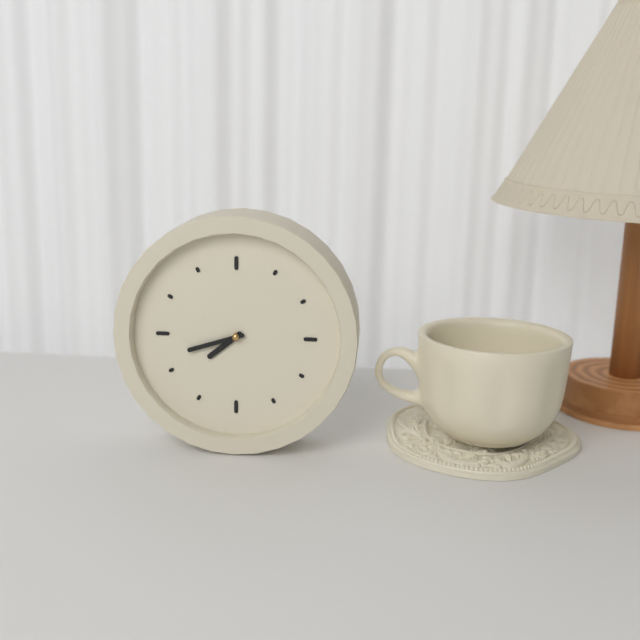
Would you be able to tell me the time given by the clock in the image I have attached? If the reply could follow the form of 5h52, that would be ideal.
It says 7h42
